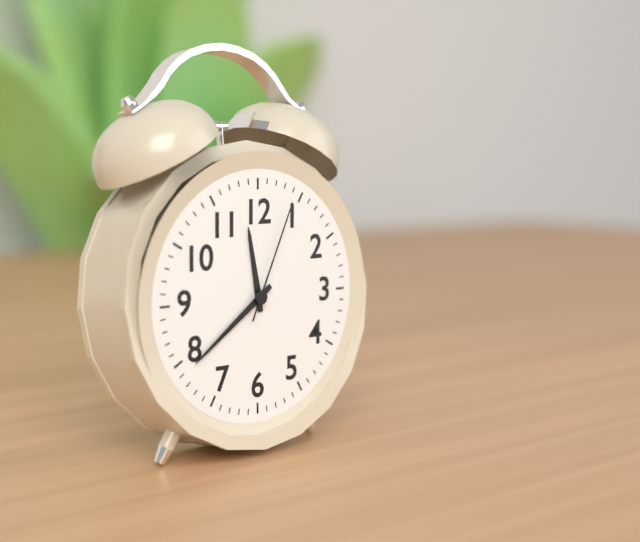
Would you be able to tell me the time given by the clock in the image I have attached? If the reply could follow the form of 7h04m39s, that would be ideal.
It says 11h39m04s
